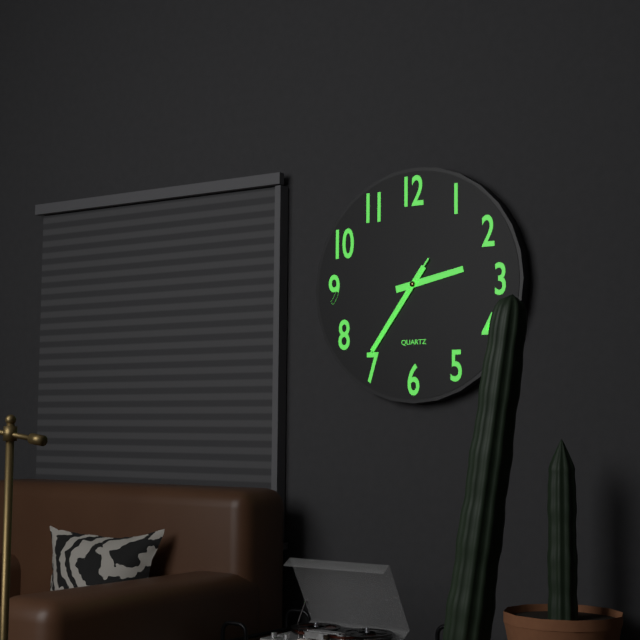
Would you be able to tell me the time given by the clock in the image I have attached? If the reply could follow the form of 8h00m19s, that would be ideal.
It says 2h36m36s
